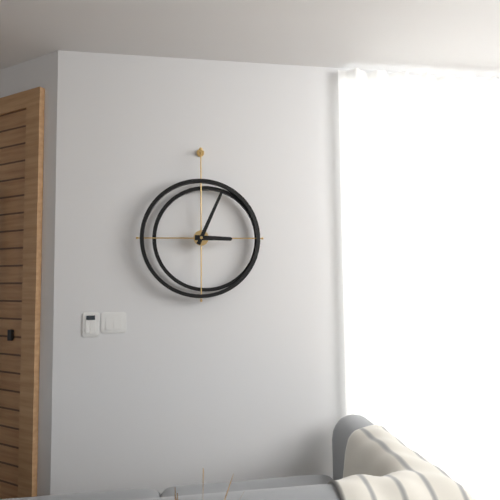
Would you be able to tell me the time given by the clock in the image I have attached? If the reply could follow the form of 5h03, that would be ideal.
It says 3h04
